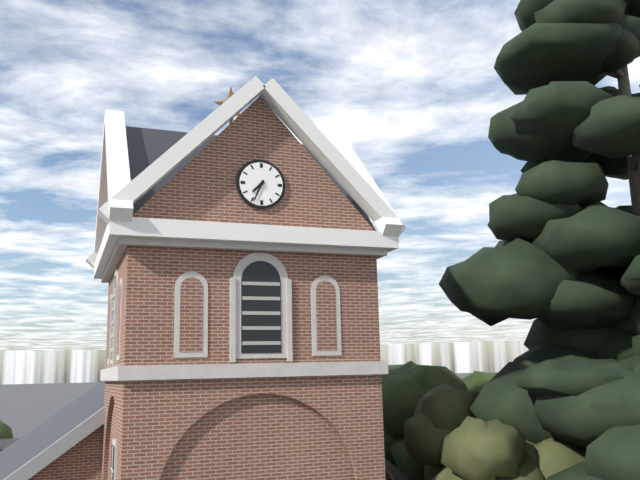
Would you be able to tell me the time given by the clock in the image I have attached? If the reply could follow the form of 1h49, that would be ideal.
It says 7h34
